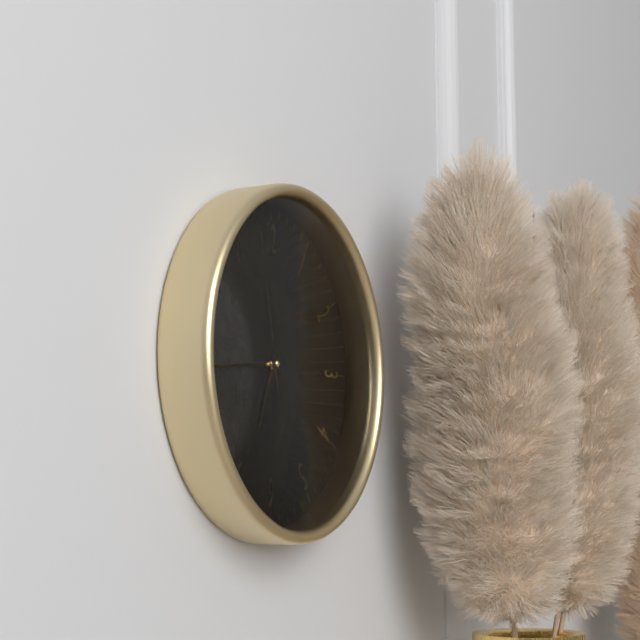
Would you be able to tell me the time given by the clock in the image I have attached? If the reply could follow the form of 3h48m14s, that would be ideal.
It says 6h44m58s
